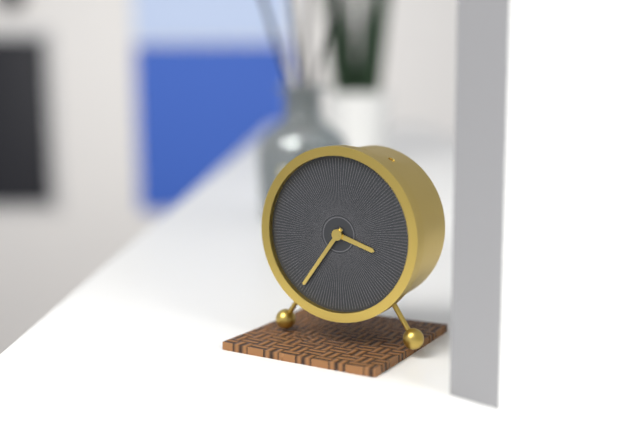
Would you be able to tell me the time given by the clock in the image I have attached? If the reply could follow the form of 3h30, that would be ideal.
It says 3h36
